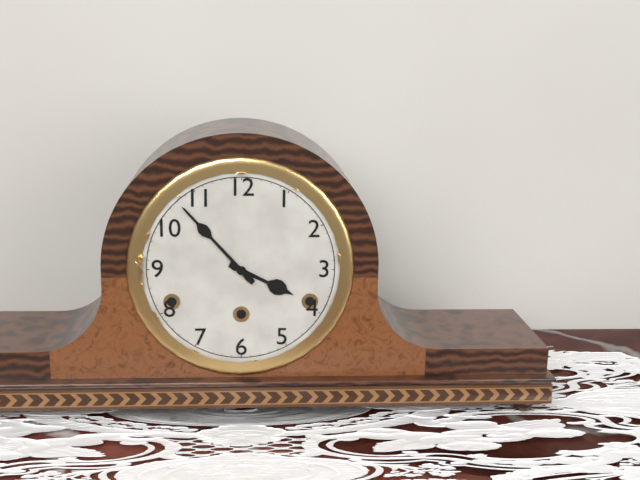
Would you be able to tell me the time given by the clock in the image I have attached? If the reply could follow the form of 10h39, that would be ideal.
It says 3h53
